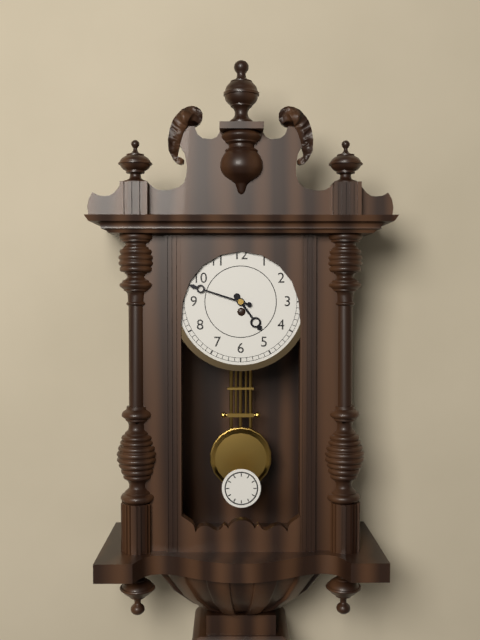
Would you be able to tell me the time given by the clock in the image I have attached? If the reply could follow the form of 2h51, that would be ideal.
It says 4h48
